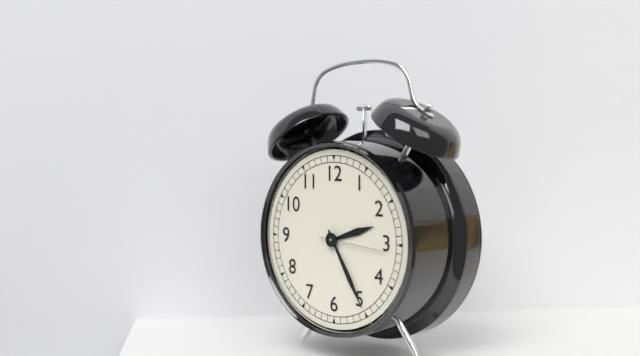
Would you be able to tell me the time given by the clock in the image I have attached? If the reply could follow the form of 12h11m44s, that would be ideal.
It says 2h25m16s
